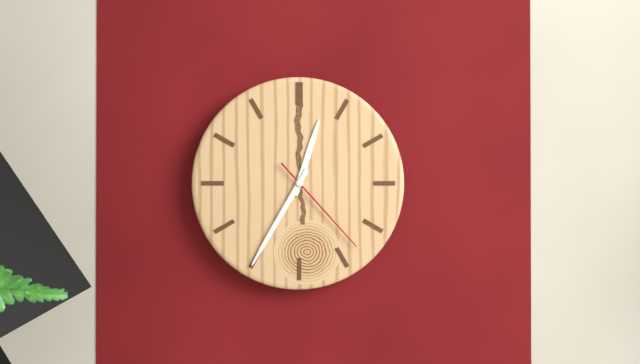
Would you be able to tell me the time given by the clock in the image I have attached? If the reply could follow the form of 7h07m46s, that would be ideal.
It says 12h35m23s
